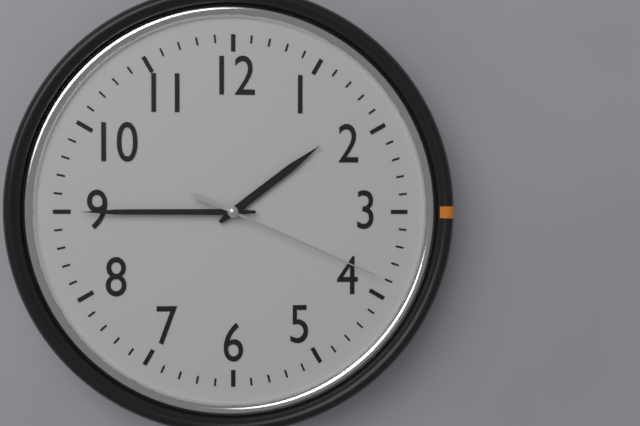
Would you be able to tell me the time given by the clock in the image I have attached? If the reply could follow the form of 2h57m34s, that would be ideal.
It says 1h45m19s
